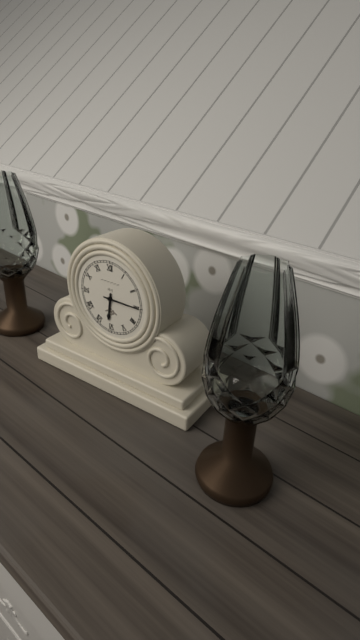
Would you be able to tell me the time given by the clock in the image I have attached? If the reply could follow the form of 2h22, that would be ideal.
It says 6h15
